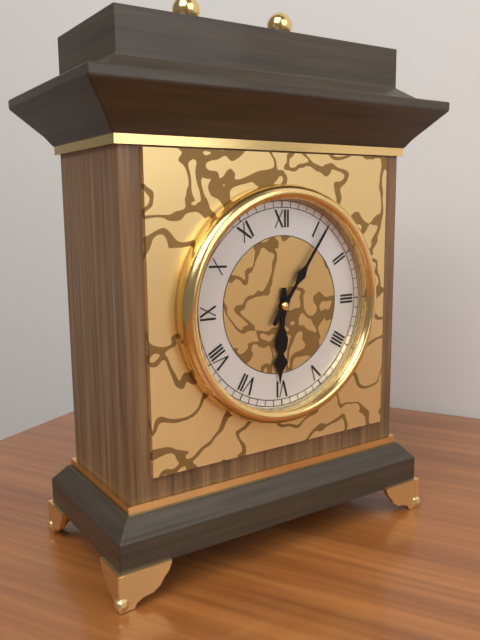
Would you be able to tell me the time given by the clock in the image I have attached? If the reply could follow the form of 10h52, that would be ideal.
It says 6h06
